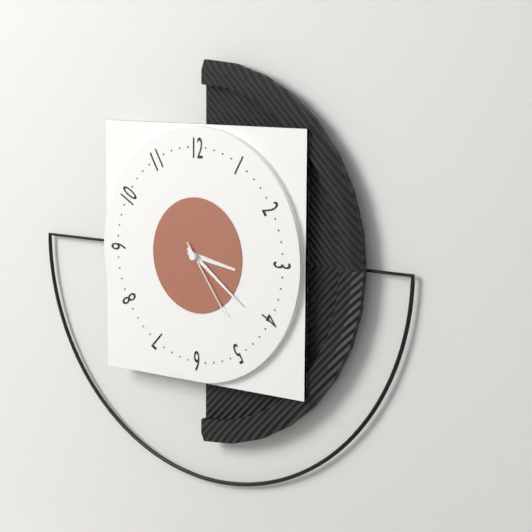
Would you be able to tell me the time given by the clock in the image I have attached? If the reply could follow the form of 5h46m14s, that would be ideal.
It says 3h21m24s
